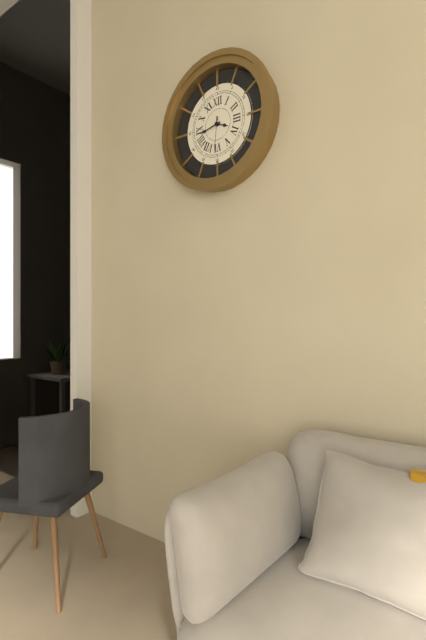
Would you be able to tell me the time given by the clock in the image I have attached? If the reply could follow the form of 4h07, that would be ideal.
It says 3h43
